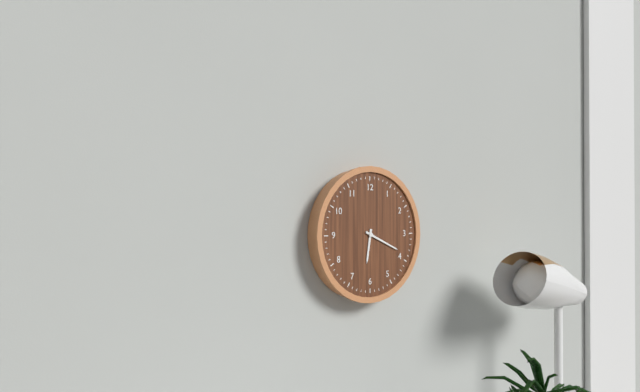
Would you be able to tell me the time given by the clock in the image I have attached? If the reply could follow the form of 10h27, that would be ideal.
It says 6h19
